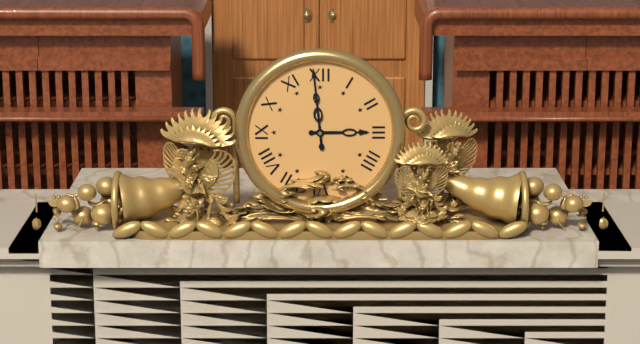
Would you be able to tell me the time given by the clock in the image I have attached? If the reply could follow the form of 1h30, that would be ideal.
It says 2h59
